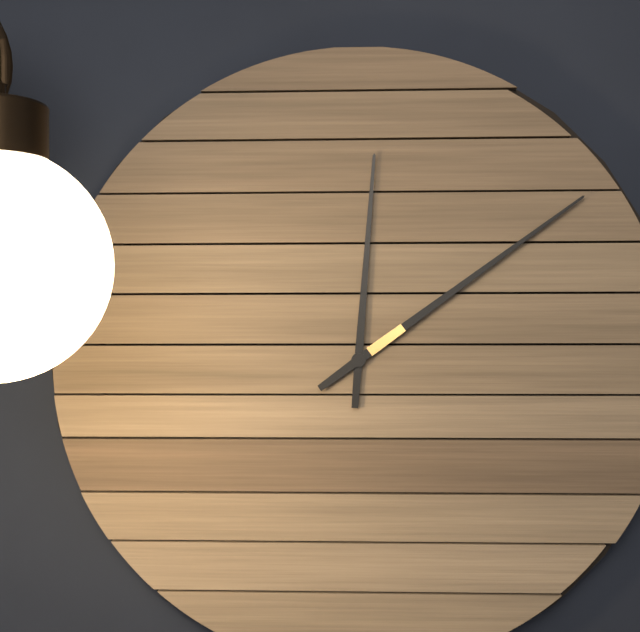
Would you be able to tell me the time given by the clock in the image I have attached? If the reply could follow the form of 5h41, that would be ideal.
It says 12h09
